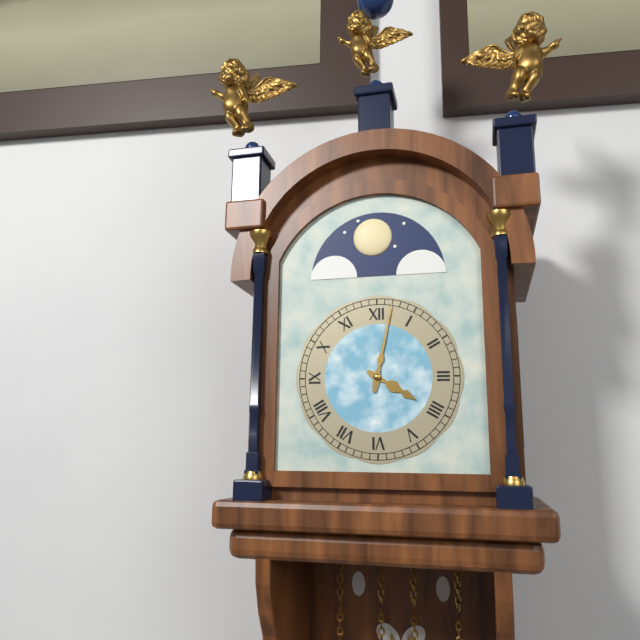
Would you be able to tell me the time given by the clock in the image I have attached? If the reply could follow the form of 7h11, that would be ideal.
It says 4h02
